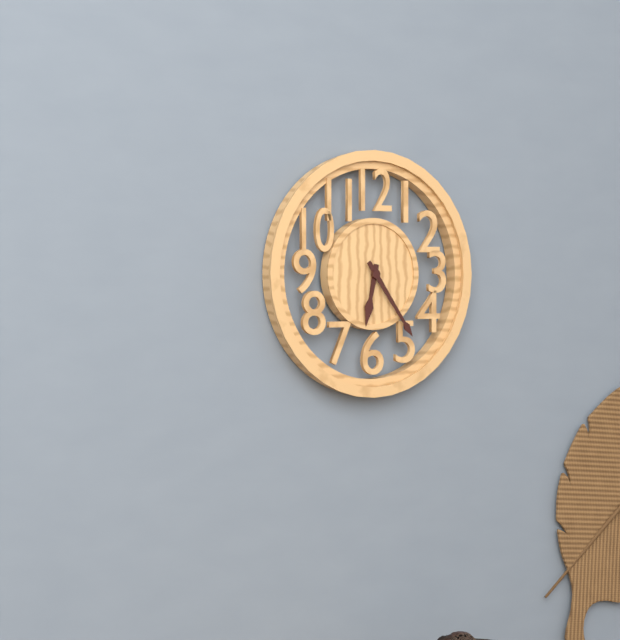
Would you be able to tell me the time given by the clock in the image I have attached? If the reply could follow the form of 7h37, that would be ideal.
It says 6h24
